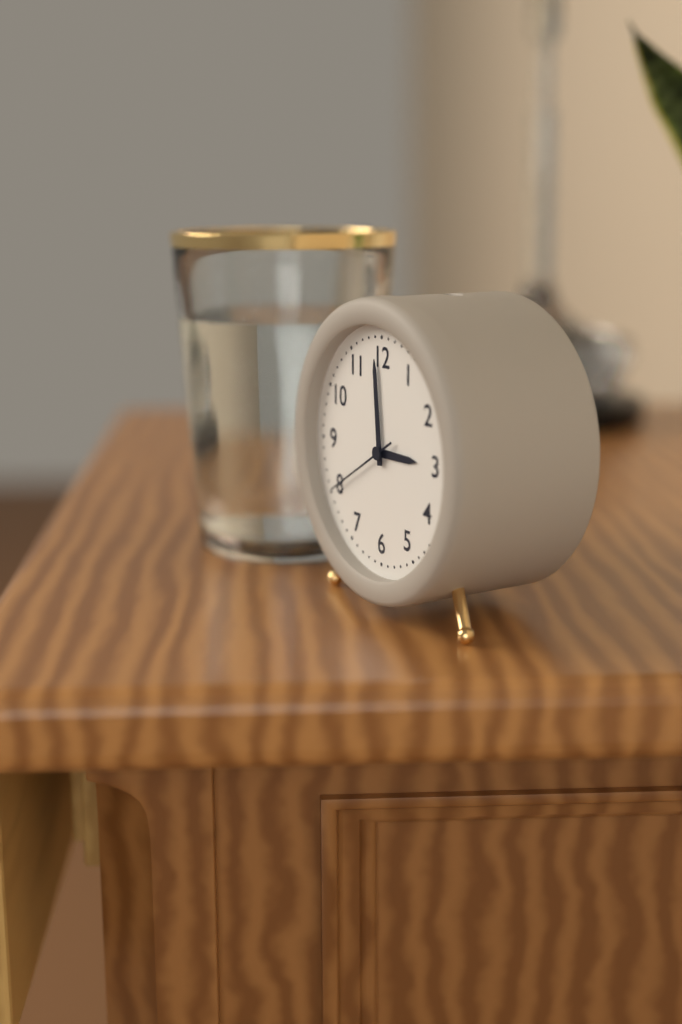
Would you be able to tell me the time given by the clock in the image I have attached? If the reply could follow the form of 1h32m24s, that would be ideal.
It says 2h59m40s
